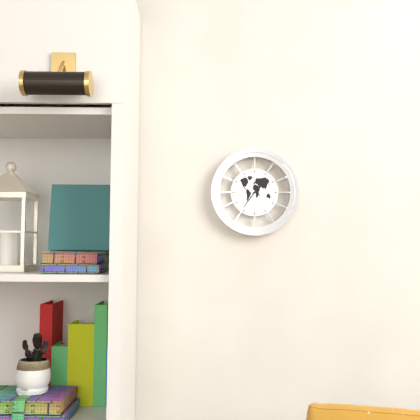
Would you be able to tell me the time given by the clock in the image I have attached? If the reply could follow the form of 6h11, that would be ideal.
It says 1h36
